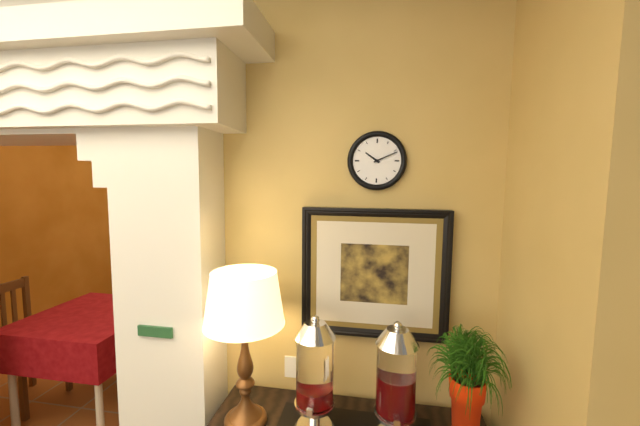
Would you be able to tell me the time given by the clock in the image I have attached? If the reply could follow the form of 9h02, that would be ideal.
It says 10h11
